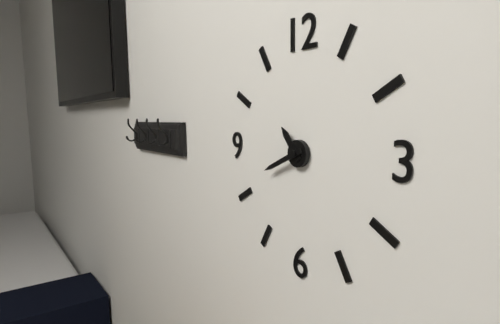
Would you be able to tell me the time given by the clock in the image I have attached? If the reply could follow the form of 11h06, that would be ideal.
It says 10h41
